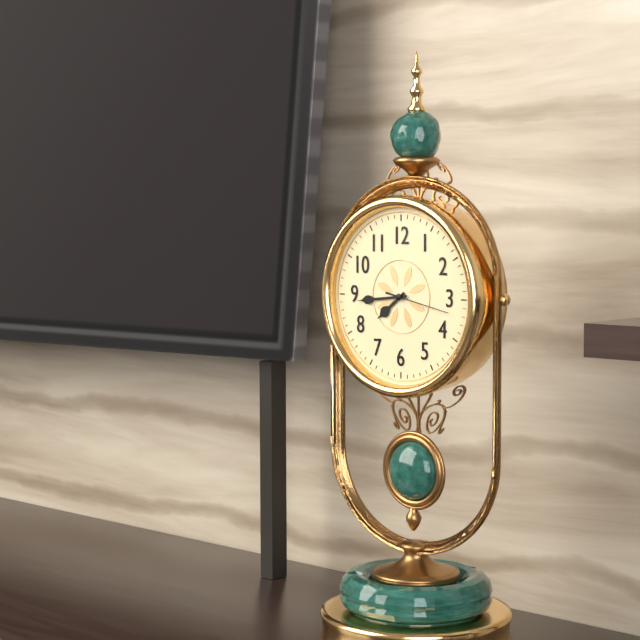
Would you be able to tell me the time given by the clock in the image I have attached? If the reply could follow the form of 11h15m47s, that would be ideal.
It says 7h44m17s
